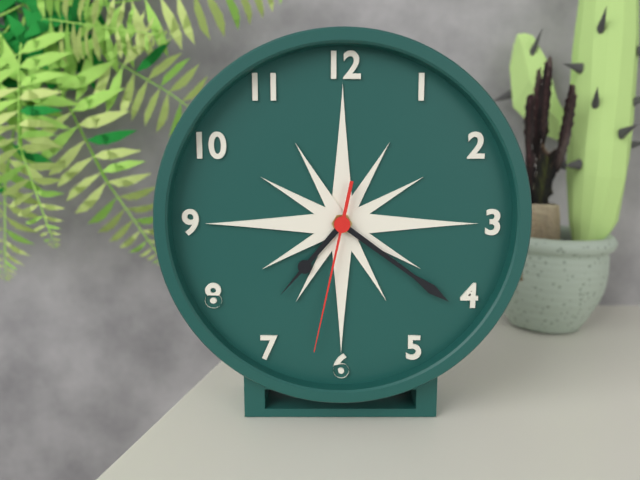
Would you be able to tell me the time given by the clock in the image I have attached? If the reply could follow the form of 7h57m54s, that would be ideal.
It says 7h21m32s
